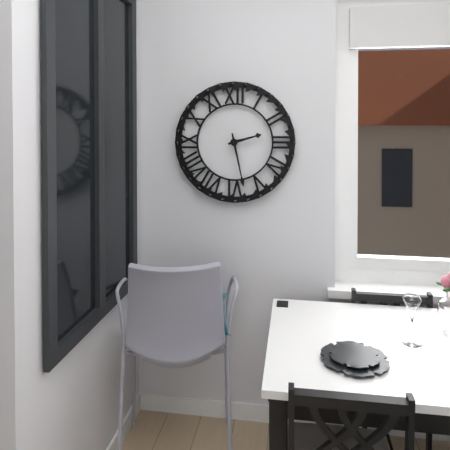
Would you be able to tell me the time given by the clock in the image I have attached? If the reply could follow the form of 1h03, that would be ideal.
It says 2h28
